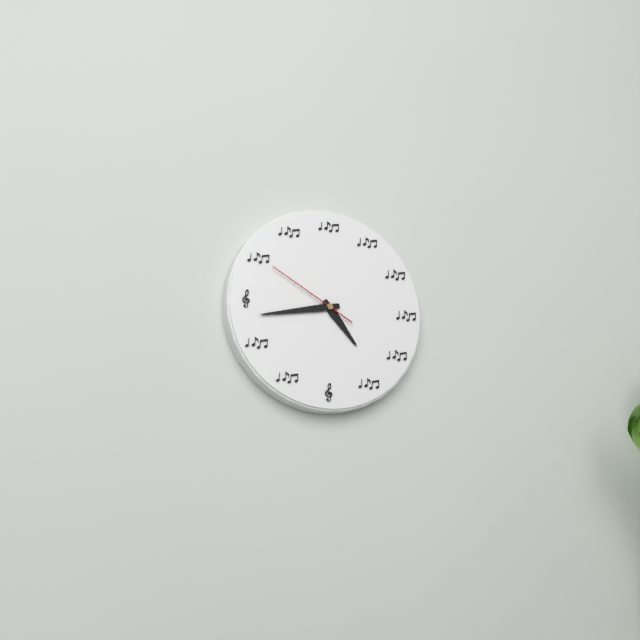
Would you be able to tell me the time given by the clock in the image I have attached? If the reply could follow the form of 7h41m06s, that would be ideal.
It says 4h43m50s
